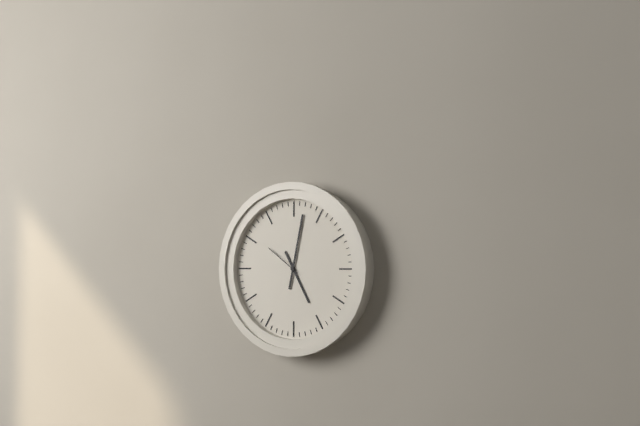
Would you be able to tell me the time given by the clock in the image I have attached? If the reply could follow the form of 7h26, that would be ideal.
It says 5h02
